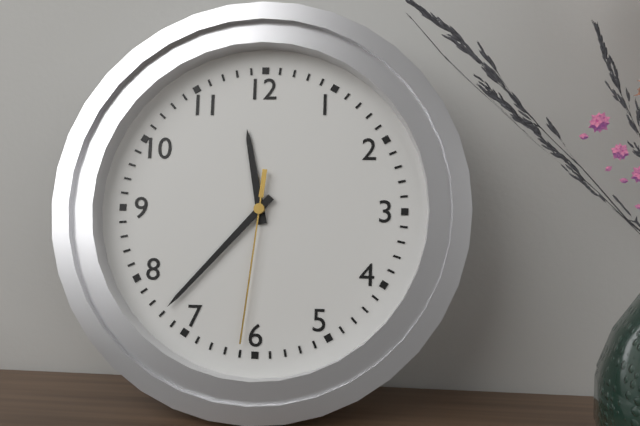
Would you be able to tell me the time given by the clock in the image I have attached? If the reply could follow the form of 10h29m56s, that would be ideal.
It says 11h37m31s
